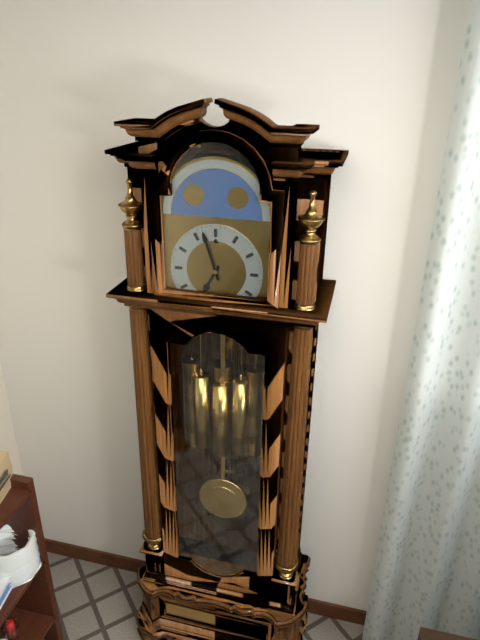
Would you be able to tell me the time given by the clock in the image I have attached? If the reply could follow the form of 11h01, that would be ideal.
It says 6h57
